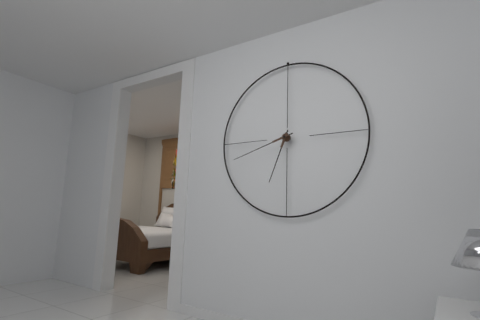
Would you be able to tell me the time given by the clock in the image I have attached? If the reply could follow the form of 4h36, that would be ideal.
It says 6h42
